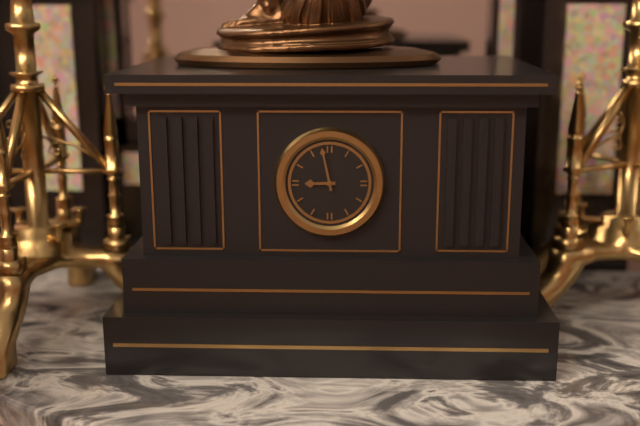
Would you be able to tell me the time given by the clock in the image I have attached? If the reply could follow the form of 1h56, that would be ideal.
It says 8h58
